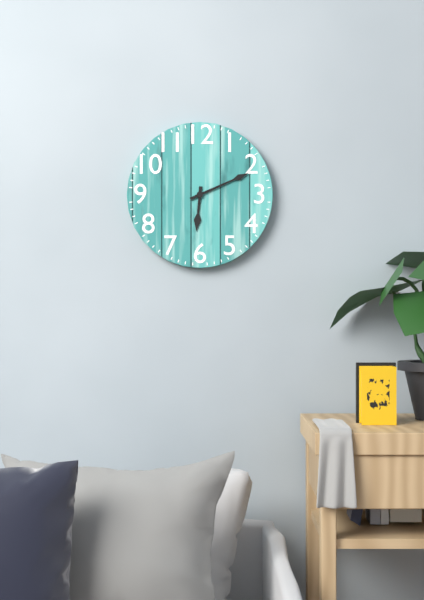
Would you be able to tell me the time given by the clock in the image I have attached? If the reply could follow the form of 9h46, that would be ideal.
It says 6h11
